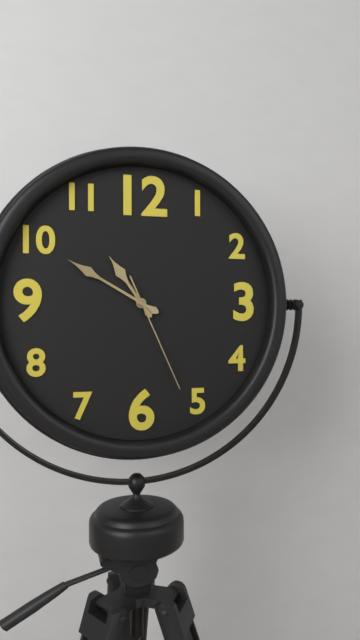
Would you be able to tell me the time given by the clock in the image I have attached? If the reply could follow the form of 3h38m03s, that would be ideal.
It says 10h50m26s
